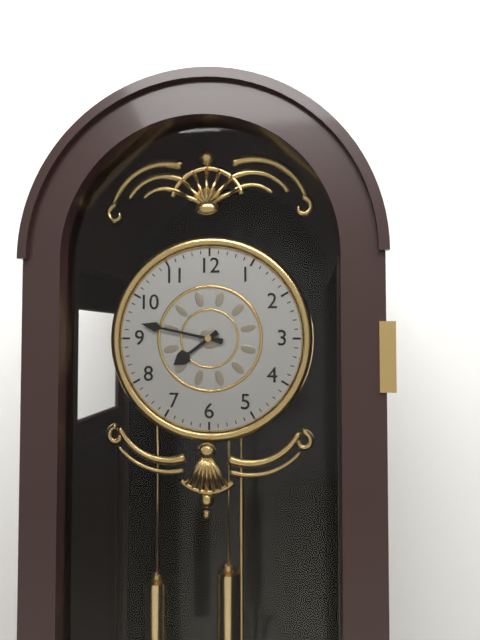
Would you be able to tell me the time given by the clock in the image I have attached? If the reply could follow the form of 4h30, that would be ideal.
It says 7h47
